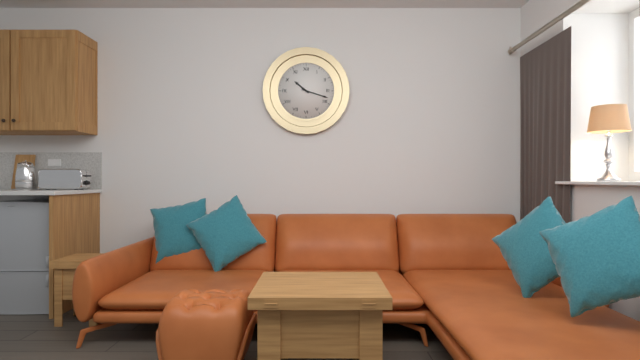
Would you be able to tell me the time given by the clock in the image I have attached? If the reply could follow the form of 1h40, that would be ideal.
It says 10h18
